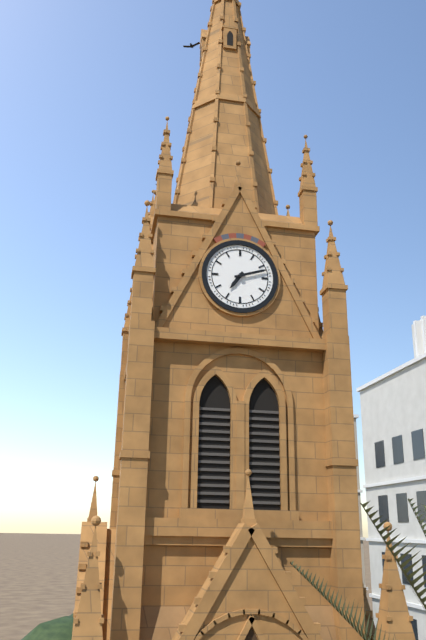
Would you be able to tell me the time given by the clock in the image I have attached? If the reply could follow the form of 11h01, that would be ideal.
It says 7h12
